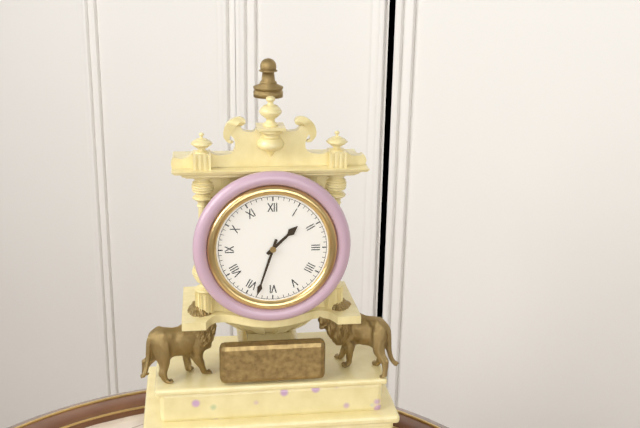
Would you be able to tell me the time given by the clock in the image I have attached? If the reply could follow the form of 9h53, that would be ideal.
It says 1h33
